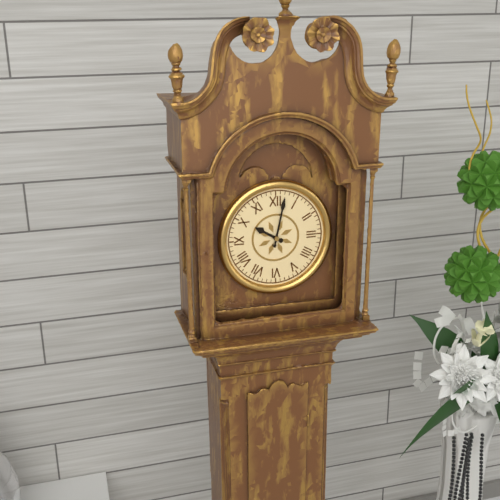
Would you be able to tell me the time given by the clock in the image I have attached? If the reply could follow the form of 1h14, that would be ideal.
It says 10h02
